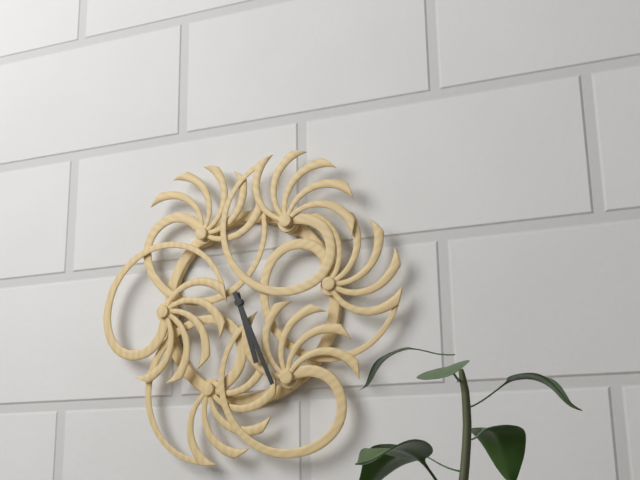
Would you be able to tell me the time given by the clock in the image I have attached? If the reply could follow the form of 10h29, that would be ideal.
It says 5h26
